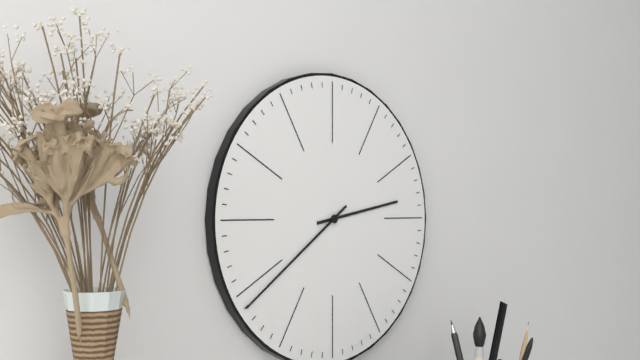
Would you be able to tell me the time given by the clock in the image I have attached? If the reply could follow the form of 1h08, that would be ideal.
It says 2h39
